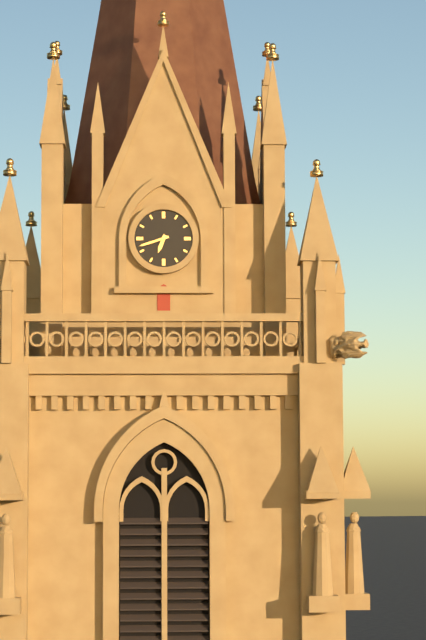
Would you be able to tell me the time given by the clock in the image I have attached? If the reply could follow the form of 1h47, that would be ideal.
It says 6h42
